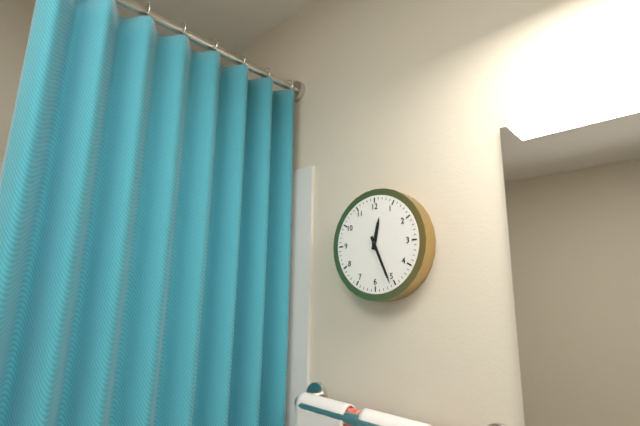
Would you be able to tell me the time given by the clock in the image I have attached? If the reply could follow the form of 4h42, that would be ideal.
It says 12h26
